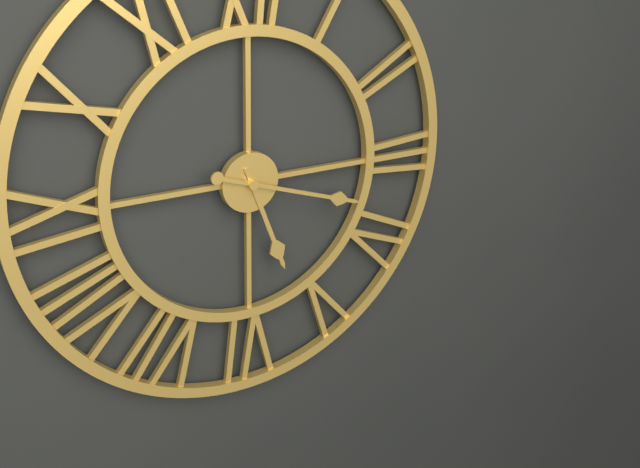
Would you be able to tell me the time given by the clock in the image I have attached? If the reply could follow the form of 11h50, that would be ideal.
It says 5h18
